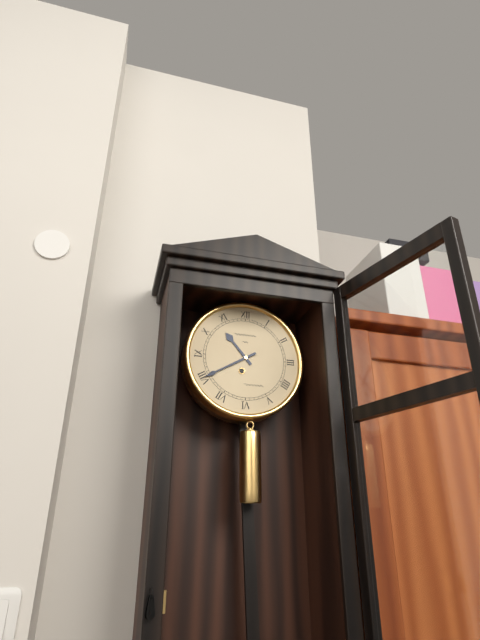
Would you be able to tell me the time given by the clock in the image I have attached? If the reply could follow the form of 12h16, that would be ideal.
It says 10h40
